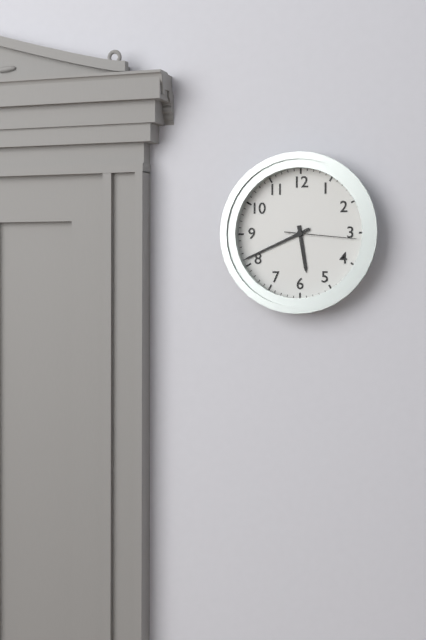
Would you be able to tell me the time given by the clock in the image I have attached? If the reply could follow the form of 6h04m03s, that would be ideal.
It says 5h41m16s
